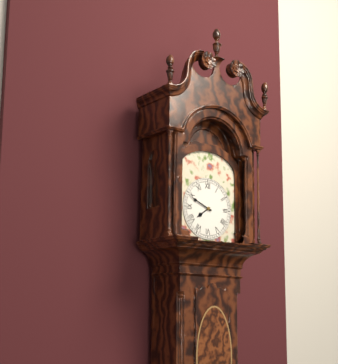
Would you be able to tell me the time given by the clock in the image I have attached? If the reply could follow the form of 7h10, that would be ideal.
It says 7h49
